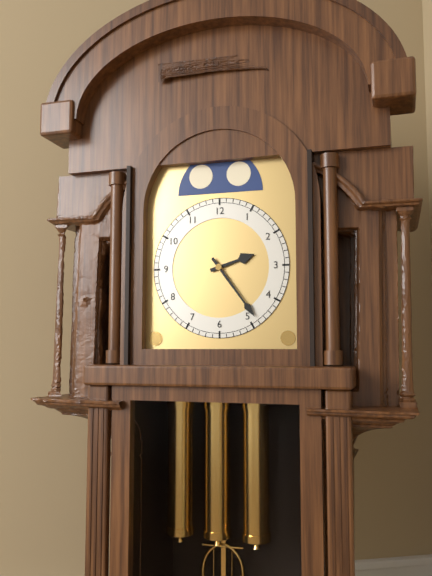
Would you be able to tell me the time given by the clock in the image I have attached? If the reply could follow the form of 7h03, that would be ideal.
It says 2h24
